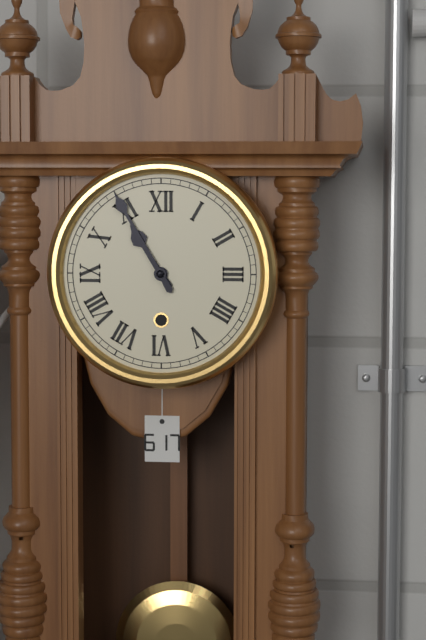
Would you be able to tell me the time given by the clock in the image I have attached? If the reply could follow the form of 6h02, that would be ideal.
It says 10h55
